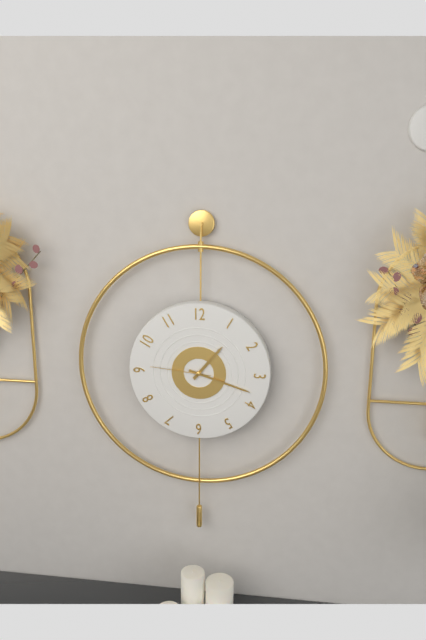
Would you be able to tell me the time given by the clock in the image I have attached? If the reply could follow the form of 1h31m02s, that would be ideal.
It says 1h18m46s
